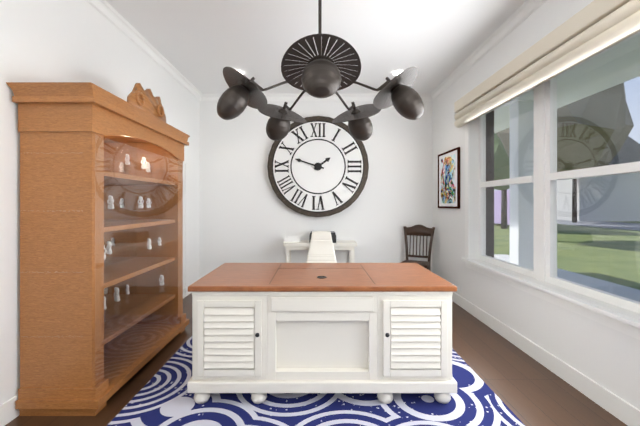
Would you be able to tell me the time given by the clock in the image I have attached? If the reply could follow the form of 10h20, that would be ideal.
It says 1h48
